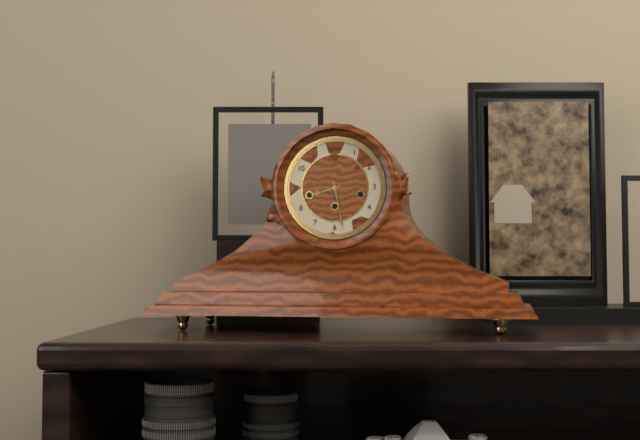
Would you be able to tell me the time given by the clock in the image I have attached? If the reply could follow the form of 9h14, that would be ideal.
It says 8h28
